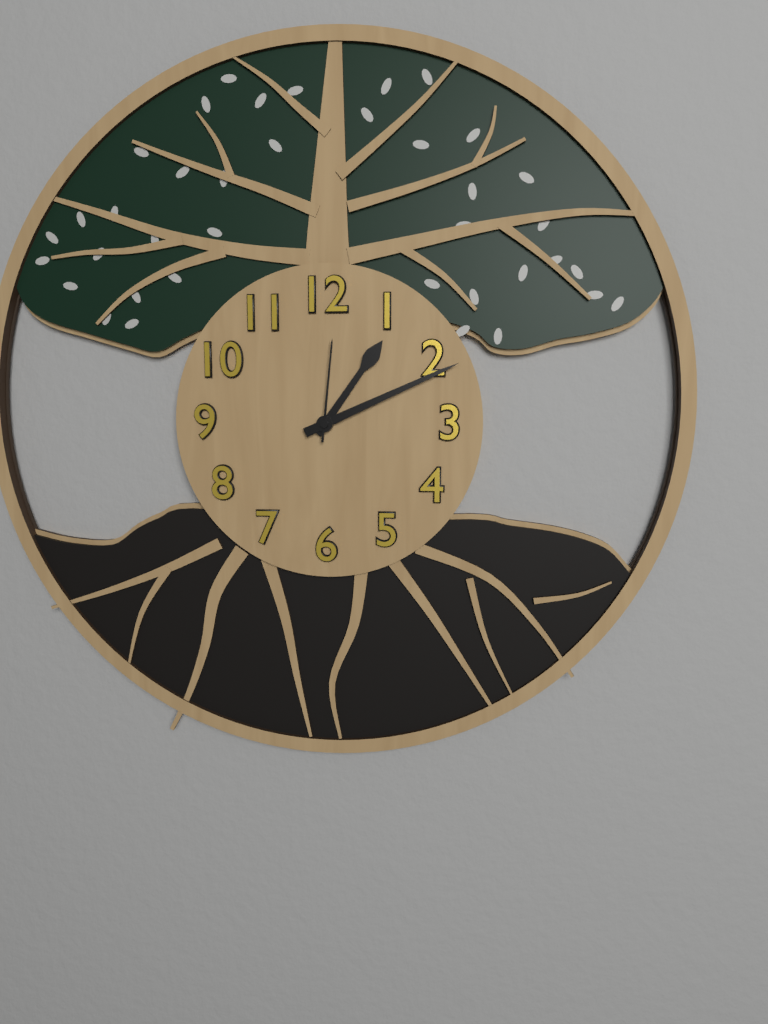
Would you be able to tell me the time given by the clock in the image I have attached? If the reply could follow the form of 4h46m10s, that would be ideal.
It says 1h11m01s
